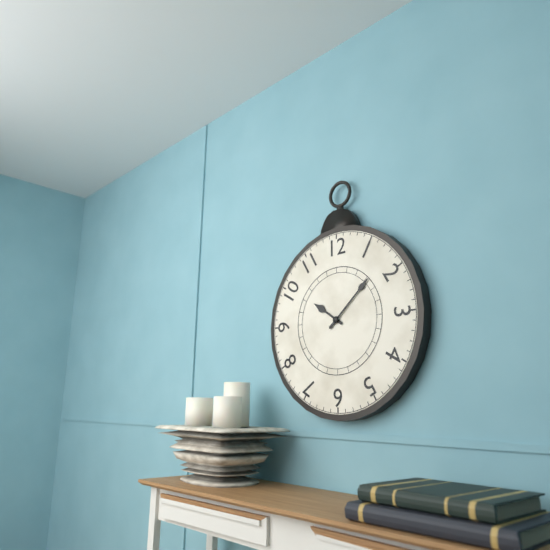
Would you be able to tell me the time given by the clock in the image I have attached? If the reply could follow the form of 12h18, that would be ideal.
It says 10h08
